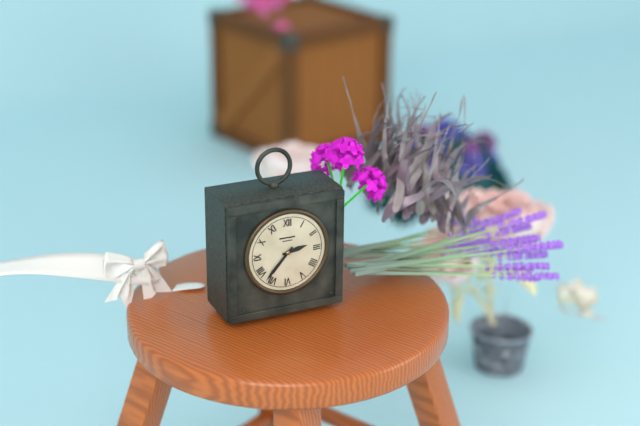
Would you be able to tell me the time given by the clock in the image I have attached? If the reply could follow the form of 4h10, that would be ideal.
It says 2h37
